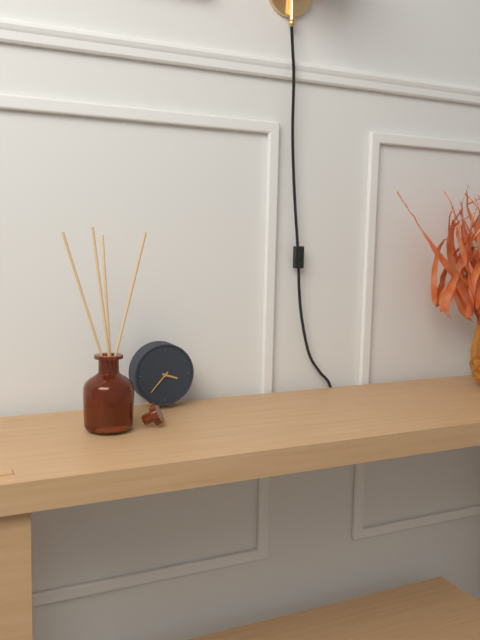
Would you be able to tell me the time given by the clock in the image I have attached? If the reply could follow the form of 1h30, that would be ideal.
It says 3h37
